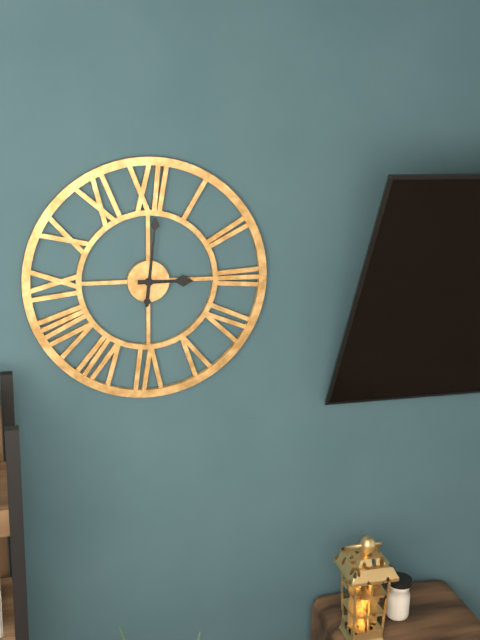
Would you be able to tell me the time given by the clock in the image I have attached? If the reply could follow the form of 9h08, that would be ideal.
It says 3h01
